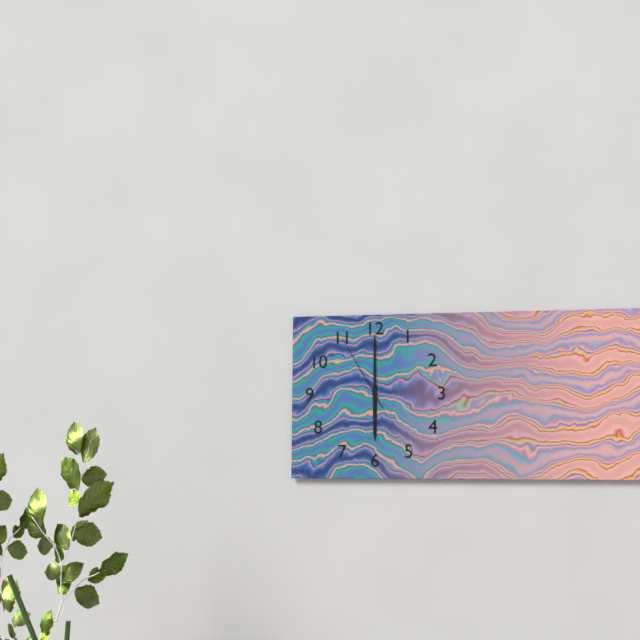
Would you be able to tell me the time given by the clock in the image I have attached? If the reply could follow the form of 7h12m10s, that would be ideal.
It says 6h00m55s
